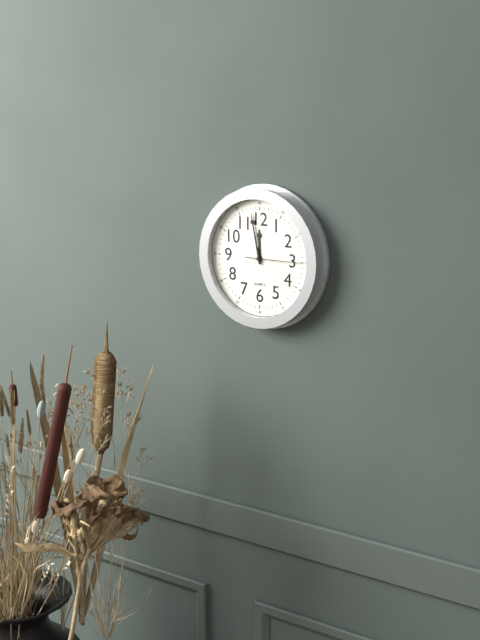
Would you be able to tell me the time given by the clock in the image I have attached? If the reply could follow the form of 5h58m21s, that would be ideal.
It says 11h58m15s
